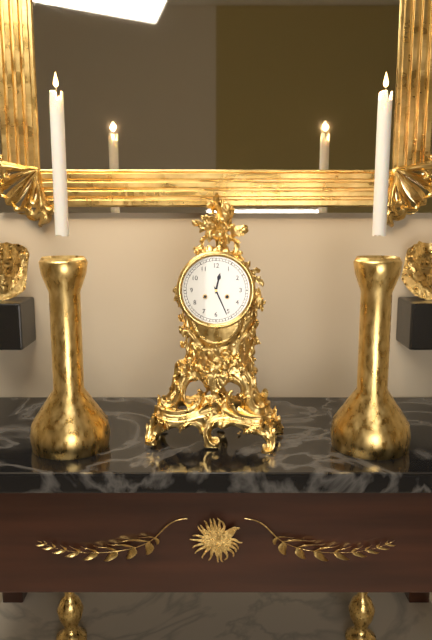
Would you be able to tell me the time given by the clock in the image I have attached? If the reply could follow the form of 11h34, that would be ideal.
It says 12h26
